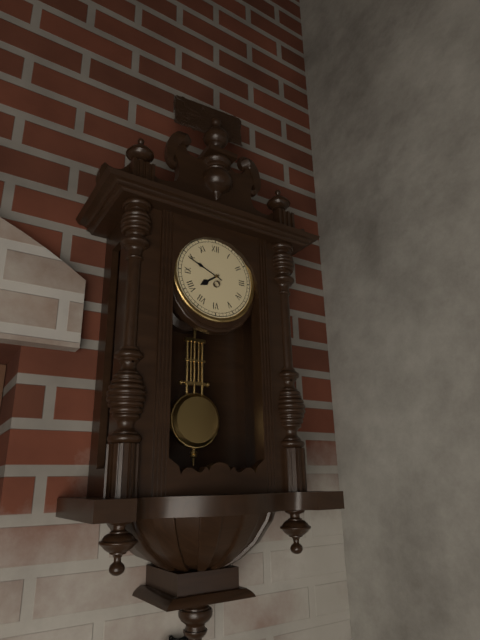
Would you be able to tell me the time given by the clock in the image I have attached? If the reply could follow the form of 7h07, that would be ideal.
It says 7h49
